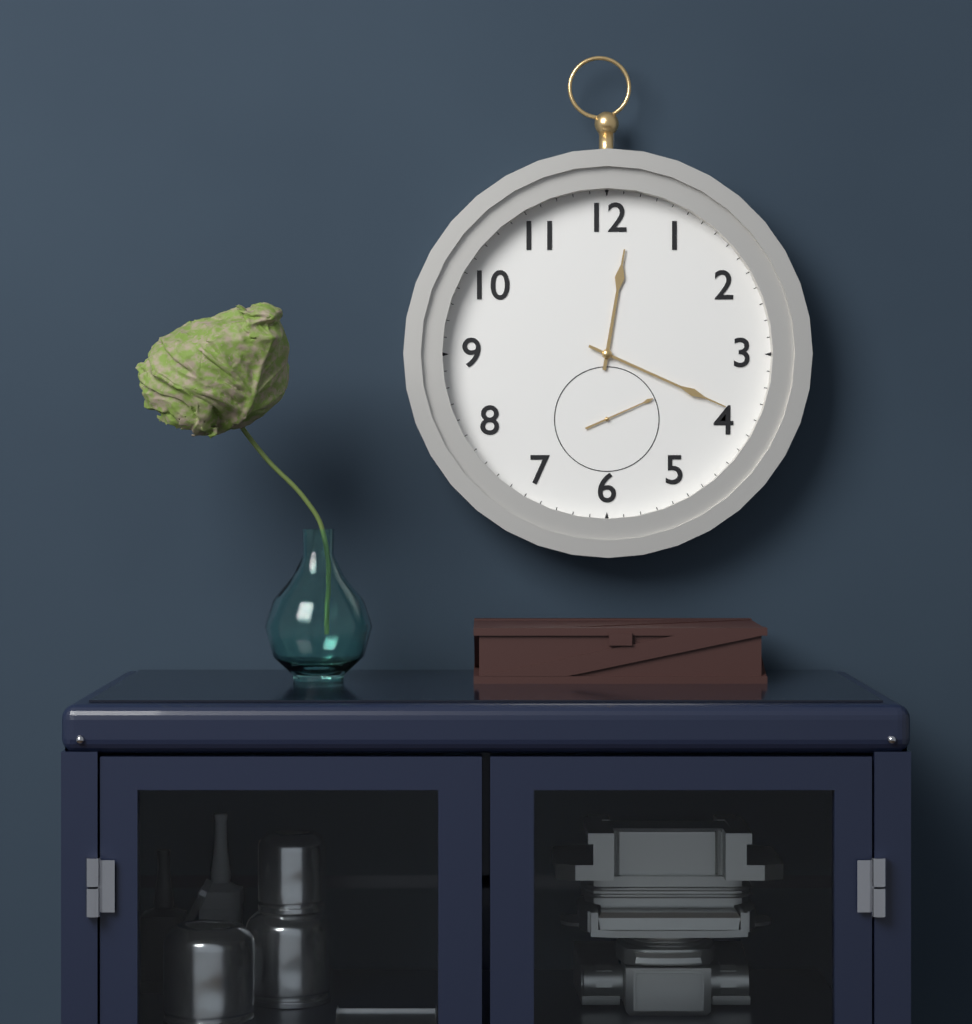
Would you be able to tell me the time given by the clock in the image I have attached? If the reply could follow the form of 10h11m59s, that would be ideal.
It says 12h19m11s
